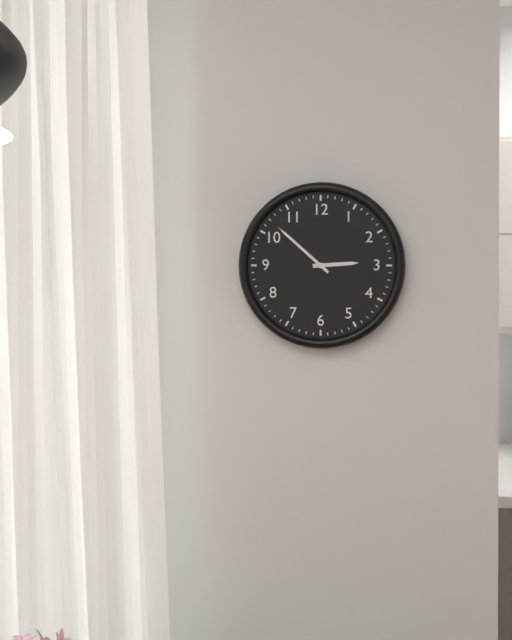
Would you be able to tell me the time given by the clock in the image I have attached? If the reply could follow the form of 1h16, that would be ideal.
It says 2h52
